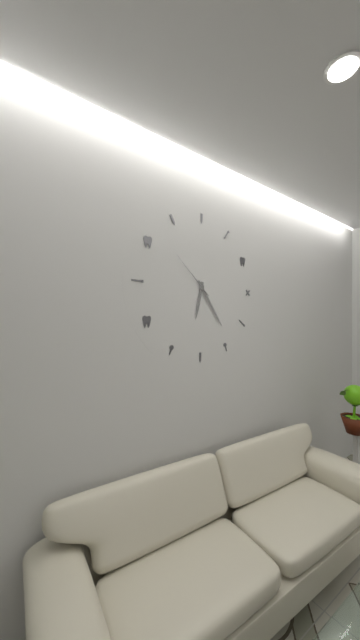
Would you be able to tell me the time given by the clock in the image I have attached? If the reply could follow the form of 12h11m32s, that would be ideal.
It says 6h24m52s
